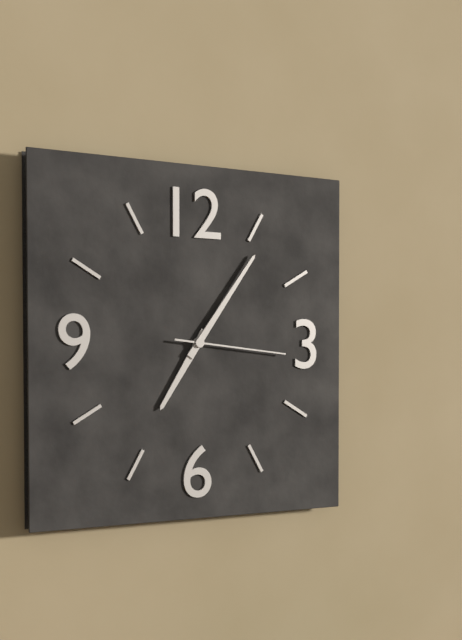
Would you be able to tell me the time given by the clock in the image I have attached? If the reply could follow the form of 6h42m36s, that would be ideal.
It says 7h06m16s
